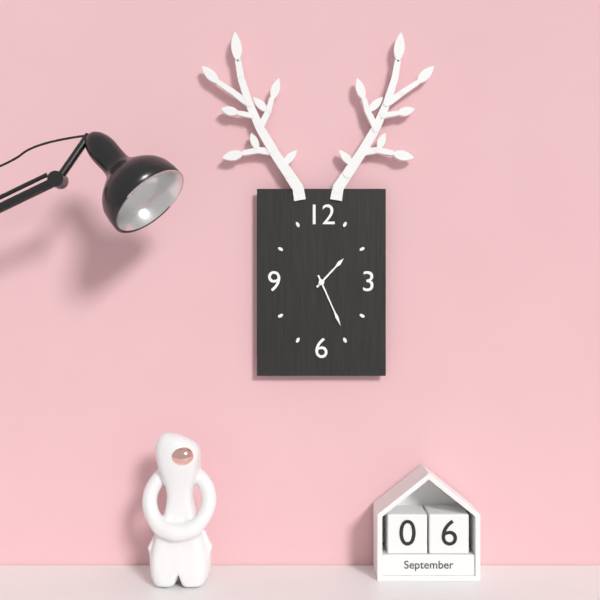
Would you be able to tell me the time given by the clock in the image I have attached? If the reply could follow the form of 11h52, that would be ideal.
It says 1h26
